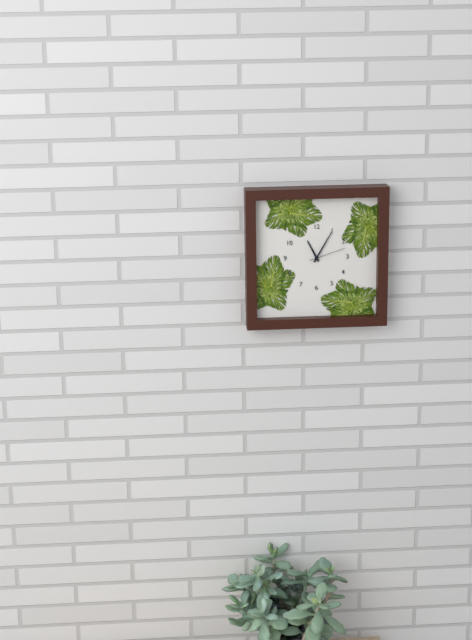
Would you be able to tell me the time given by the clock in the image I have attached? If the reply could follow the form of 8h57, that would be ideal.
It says 11h05
